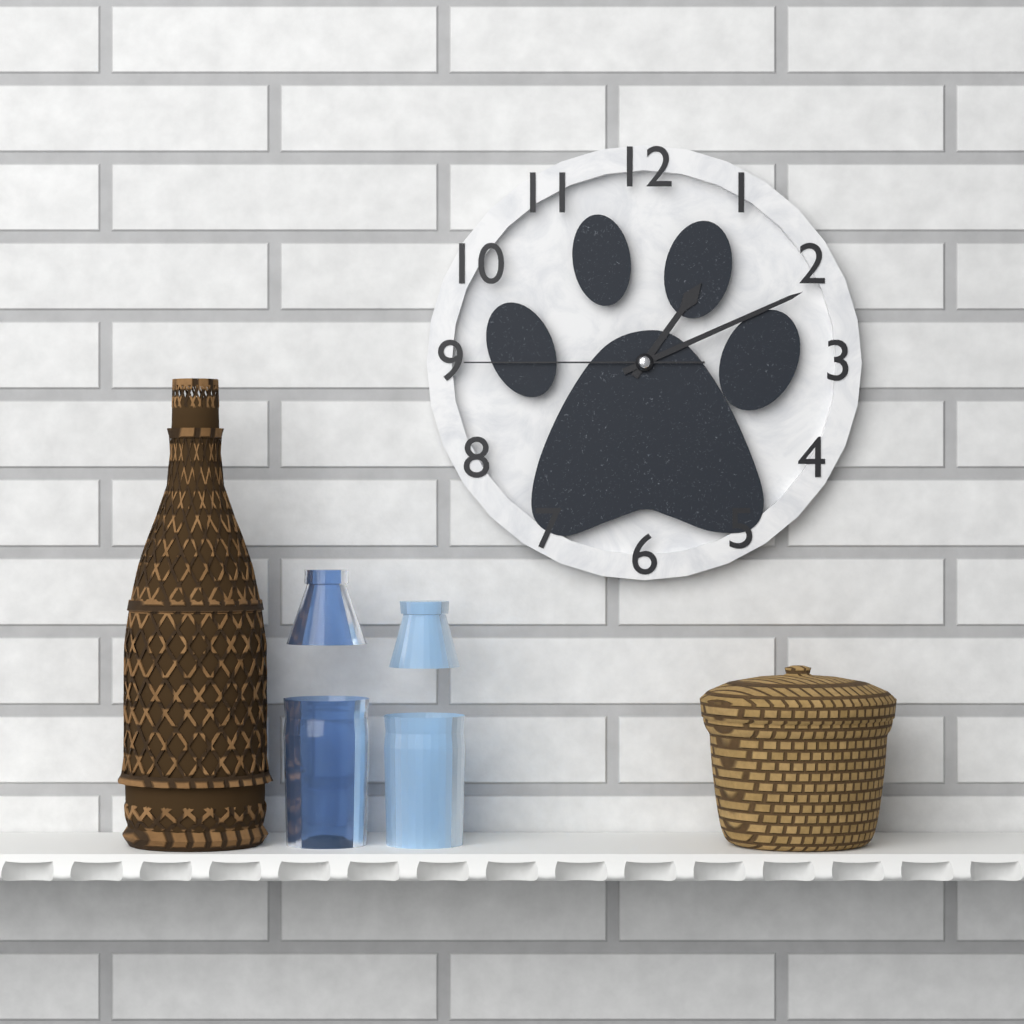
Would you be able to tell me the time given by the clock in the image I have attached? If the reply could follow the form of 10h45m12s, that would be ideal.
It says 1h11m45s
